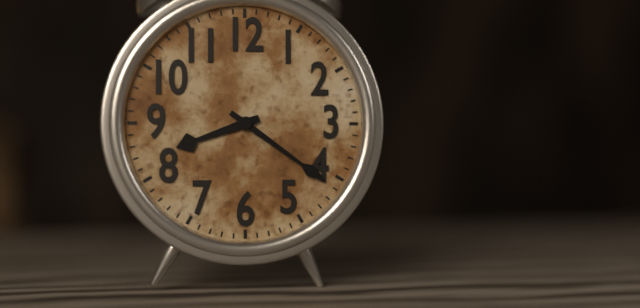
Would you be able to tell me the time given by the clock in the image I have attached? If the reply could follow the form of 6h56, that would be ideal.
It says 8h21
